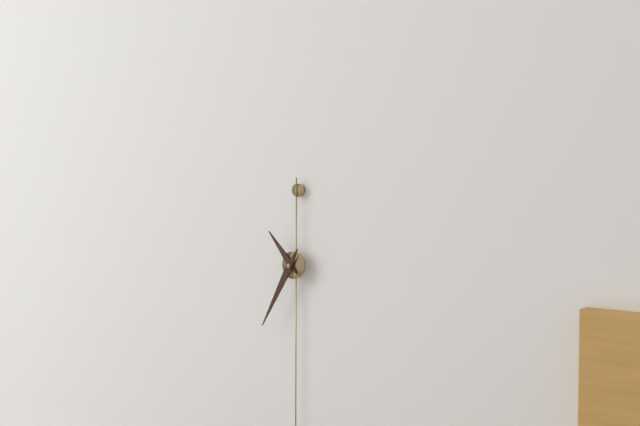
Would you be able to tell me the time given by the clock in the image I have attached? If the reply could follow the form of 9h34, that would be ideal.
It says 10h35
